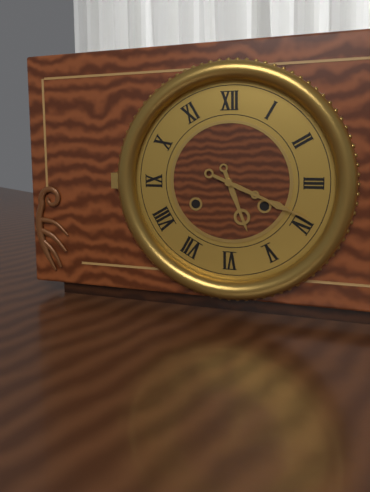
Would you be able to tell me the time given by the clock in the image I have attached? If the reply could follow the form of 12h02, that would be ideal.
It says 5h19
